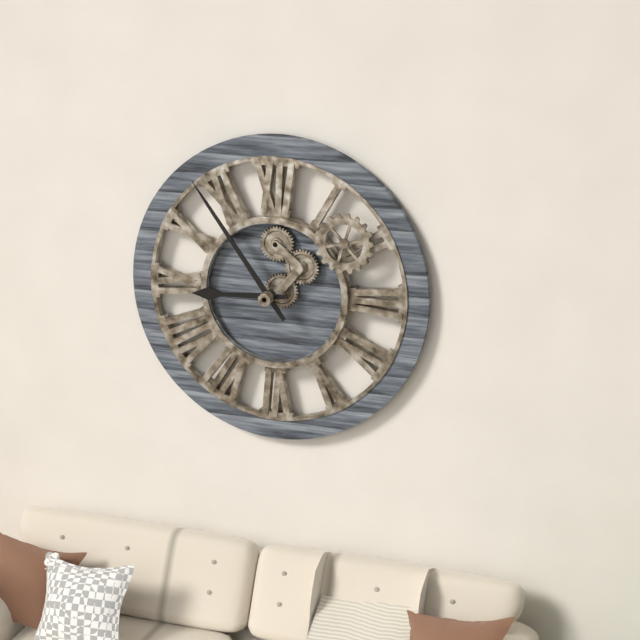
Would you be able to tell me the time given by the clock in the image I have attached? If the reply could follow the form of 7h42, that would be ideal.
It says 8h54
